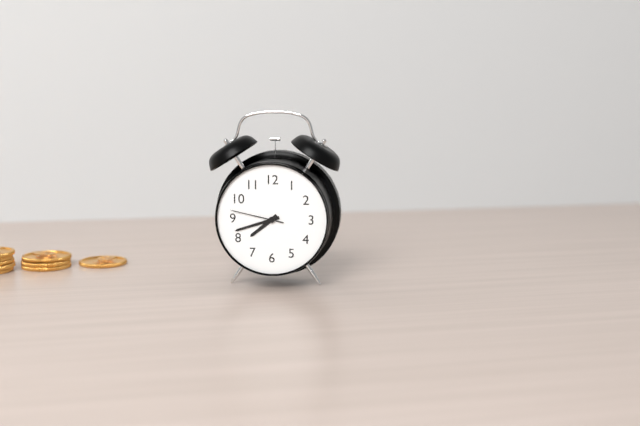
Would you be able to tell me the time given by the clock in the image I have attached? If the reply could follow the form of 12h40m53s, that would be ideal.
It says 7h42m47s
